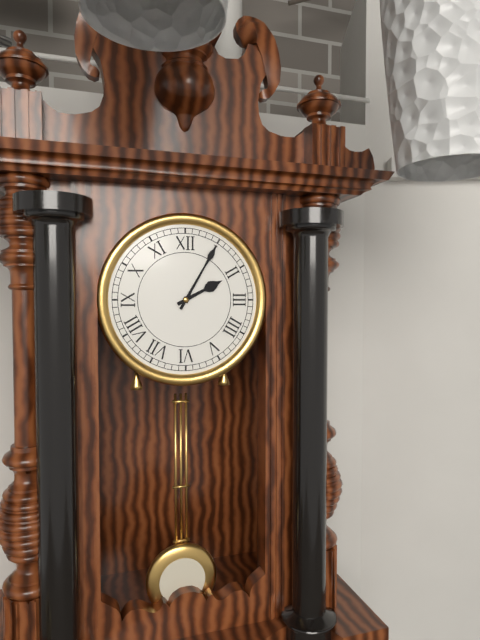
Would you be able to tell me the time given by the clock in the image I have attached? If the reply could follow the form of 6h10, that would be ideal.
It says 2h05
